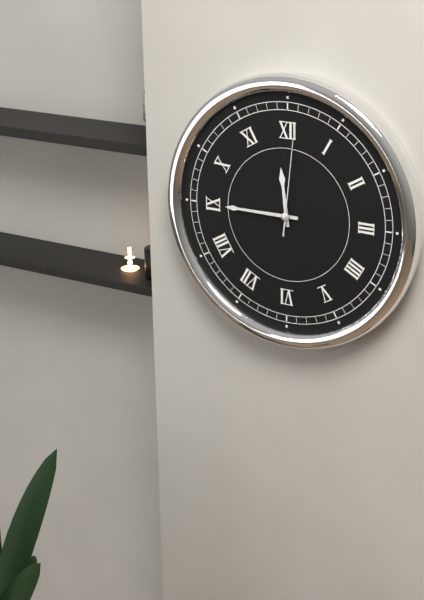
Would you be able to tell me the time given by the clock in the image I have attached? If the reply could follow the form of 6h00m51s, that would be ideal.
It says 11h45m01s
